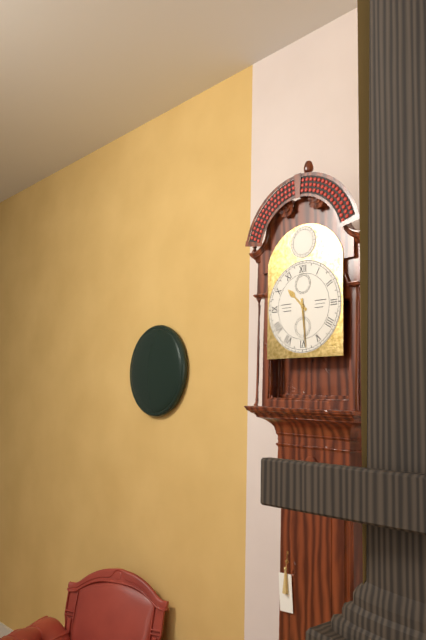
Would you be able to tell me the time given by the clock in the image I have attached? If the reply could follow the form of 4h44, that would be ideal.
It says 10h29
